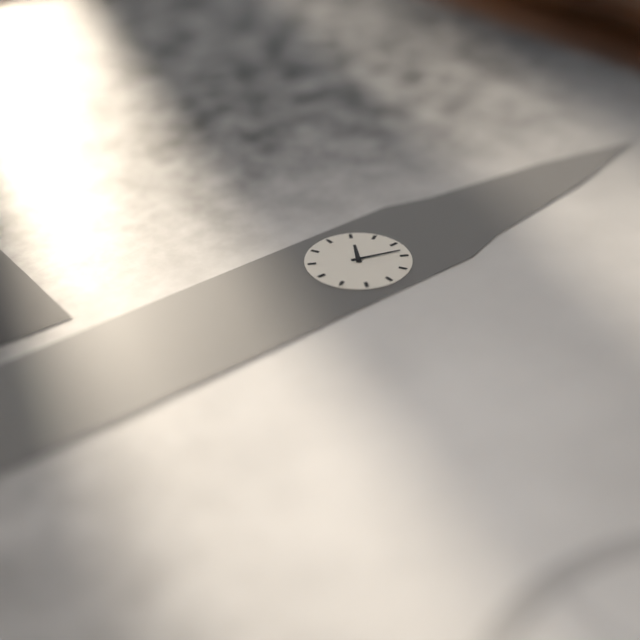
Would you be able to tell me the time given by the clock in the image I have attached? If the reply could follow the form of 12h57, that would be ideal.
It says 10h03
